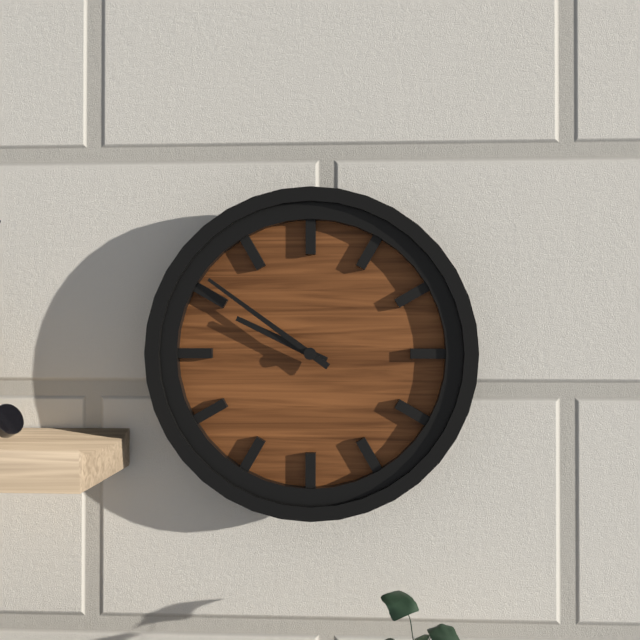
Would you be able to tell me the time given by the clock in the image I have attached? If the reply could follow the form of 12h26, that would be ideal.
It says 9h51
